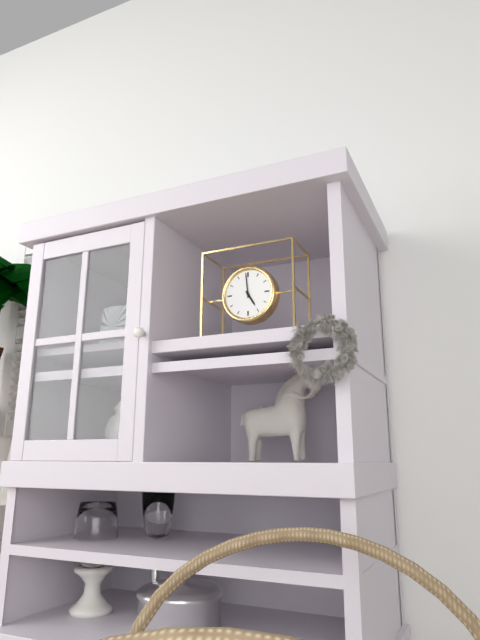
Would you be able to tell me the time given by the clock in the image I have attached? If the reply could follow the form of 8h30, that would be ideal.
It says 4h59
